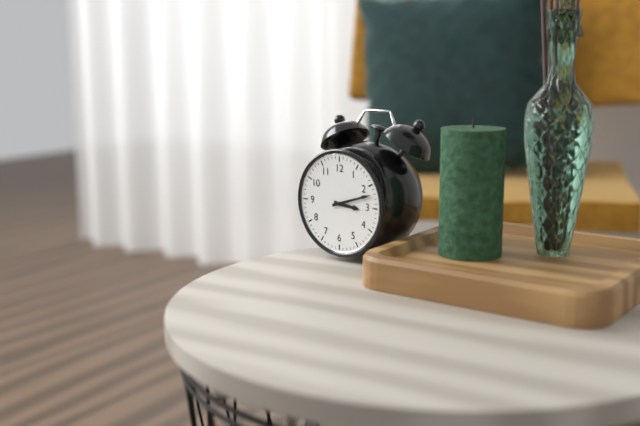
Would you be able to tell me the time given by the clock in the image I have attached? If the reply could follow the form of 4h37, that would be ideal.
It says 3h12
